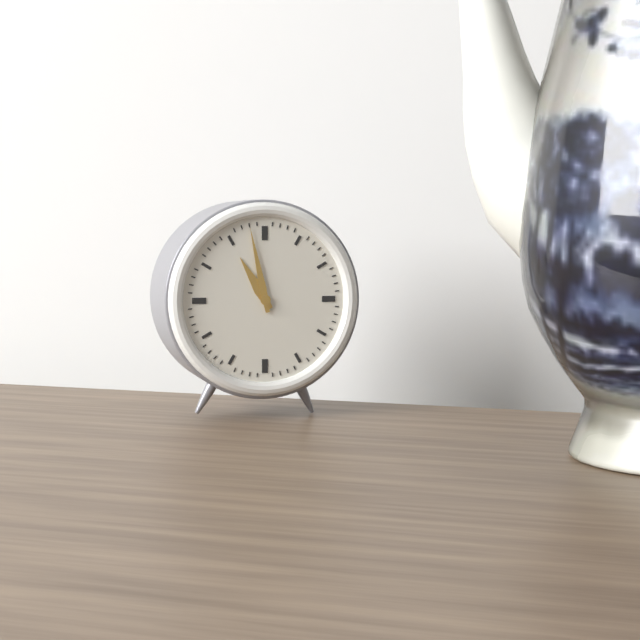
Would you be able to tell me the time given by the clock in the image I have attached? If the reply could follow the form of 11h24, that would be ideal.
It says 10h58
